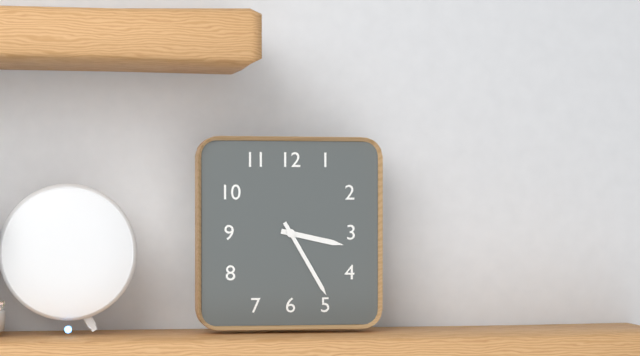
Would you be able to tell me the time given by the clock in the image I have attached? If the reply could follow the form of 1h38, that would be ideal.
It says 3h25
